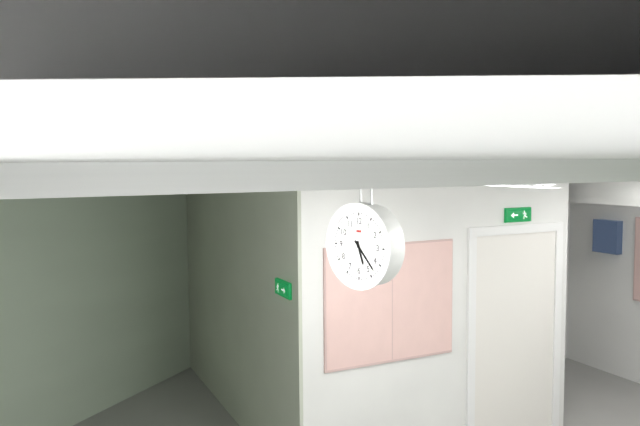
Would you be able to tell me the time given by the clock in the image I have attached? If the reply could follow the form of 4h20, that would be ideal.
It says 5h23
